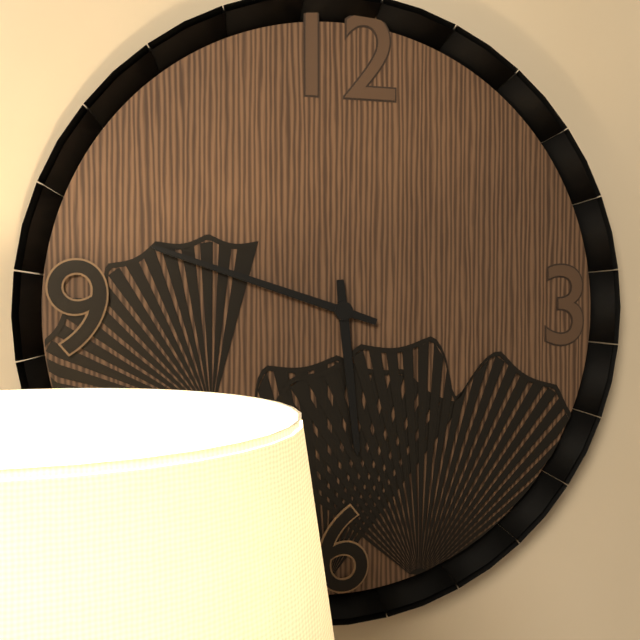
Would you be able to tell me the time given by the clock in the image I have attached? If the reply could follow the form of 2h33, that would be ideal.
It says 5h48
